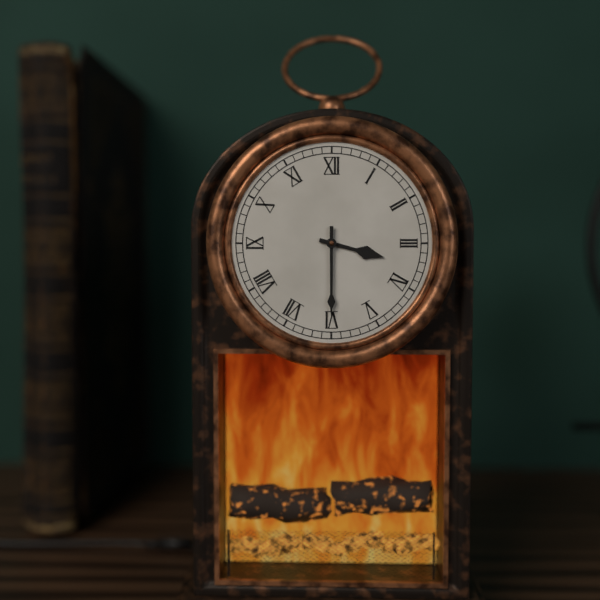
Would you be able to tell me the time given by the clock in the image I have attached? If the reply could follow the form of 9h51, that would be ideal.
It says 3h30
